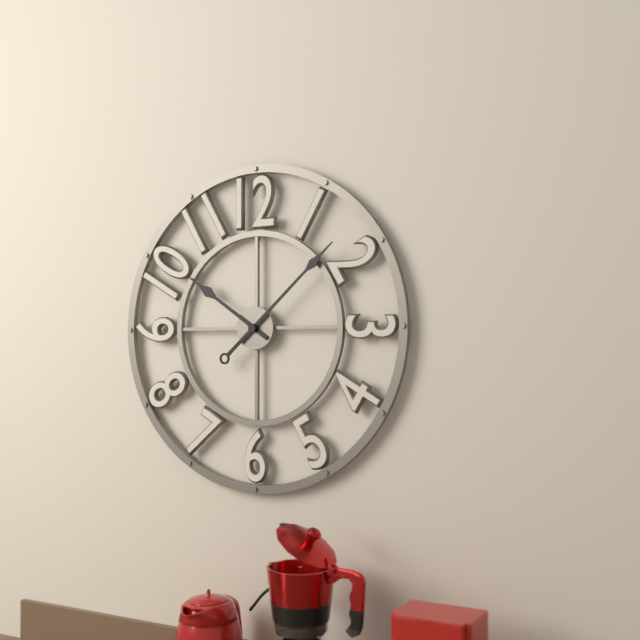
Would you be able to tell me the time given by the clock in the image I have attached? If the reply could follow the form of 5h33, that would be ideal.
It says 10h08
